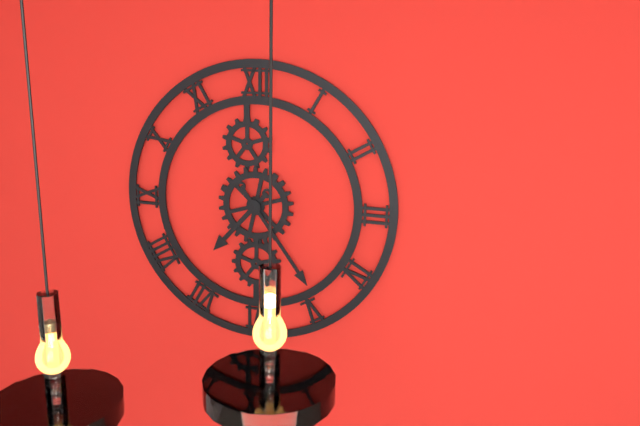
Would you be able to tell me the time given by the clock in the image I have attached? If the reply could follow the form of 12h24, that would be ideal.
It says 7h24
